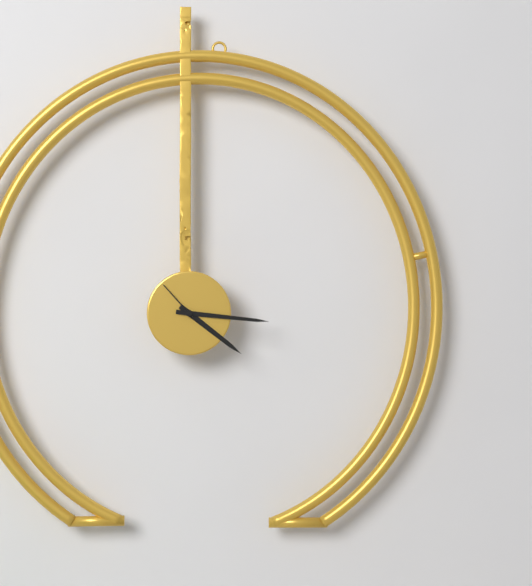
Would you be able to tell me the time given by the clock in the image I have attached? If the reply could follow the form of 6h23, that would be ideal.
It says 4h16
